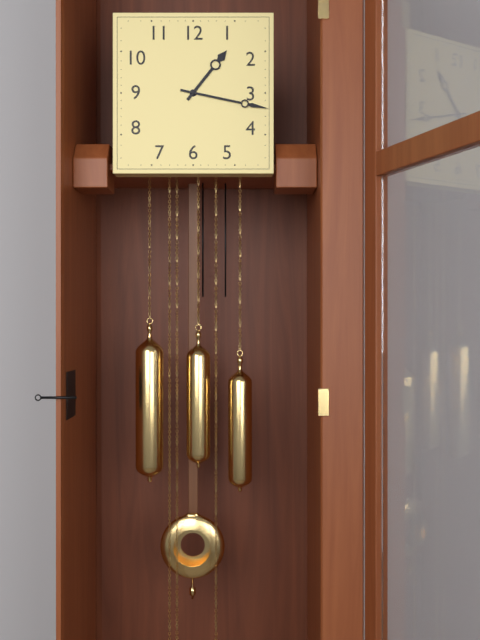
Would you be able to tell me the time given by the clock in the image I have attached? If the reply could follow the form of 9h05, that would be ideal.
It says 1h17
